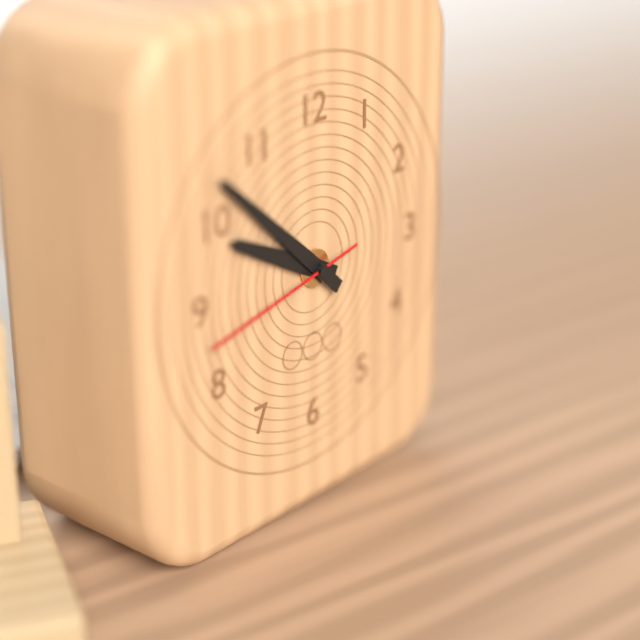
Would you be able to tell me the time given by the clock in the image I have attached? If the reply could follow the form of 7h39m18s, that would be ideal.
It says 9h52m43s
